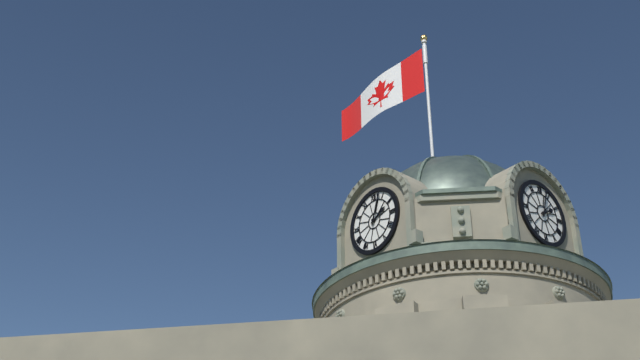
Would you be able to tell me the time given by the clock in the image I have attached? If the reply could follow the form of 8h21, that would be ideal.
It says 2h03
